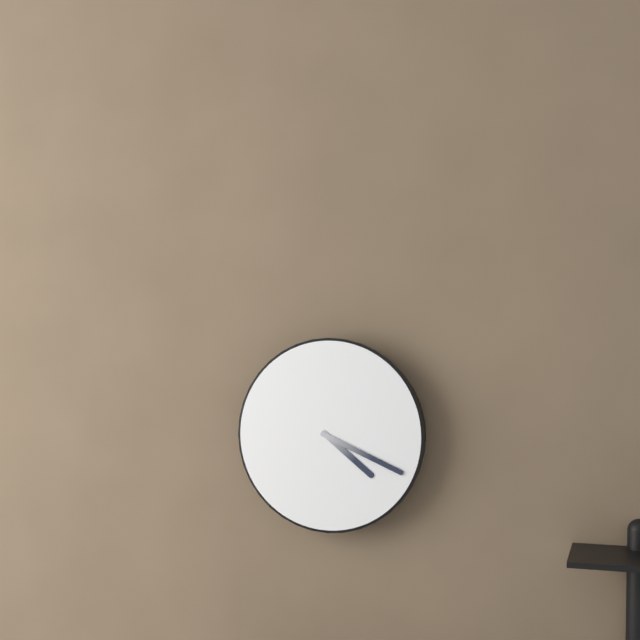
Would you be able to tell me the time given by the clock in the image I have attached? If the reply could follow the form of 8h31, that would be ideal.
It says 4h19
